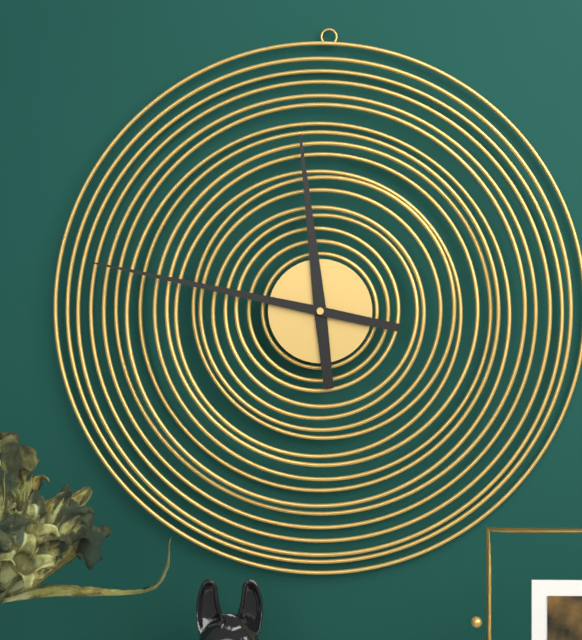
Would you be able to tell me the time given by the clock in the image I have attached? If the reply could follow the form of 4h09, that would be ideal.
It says 11h47
